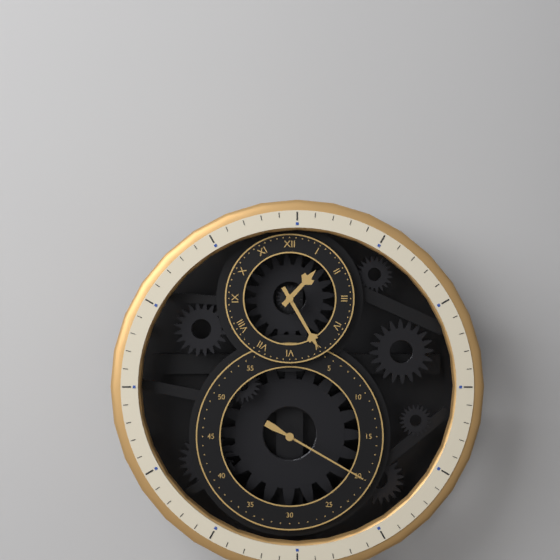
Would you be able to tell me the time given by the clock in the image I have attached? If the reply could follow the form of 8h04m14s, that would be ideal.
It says 1h25m20s
